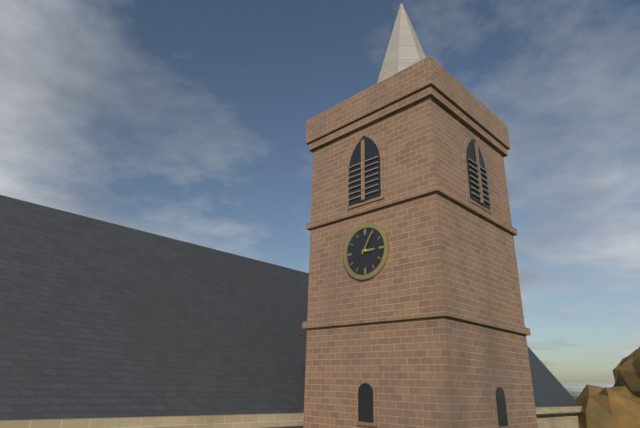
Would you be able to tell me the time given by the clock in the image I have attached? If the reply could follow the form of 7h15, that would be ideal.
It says 3h05
